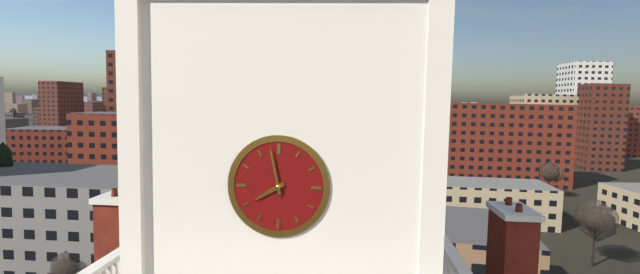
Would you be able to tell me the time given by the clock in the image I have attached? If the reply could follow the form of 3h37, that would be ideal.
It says 7h58
